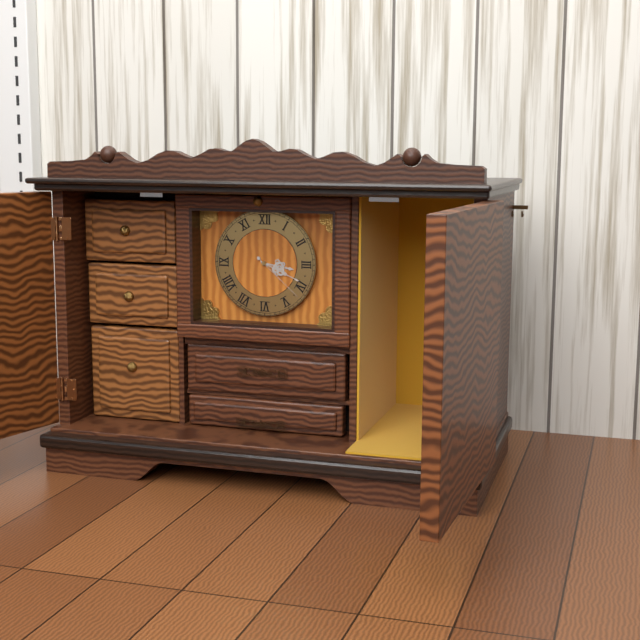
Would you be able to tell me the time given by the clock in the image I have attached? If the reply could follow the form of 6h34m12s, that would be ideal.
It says 3h19m22s
